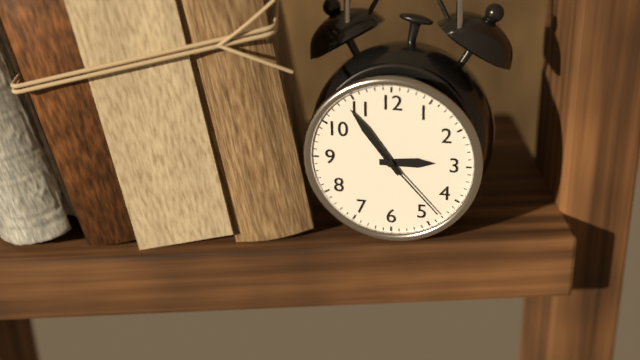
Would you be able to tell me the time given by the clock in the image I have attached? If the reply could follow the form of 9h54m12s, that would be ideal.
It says 2h54m23s
